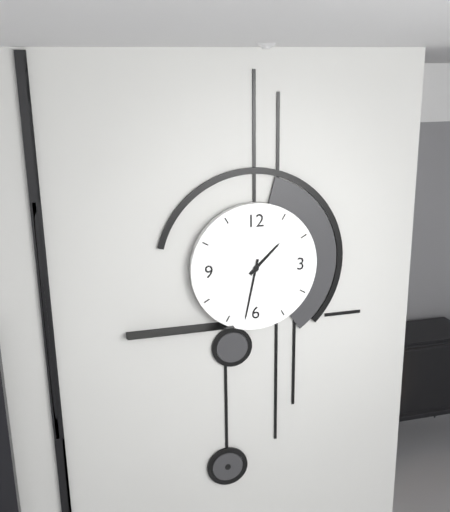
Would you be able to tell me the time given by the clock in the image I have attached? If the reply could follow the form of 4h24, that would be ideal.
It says 1h32
